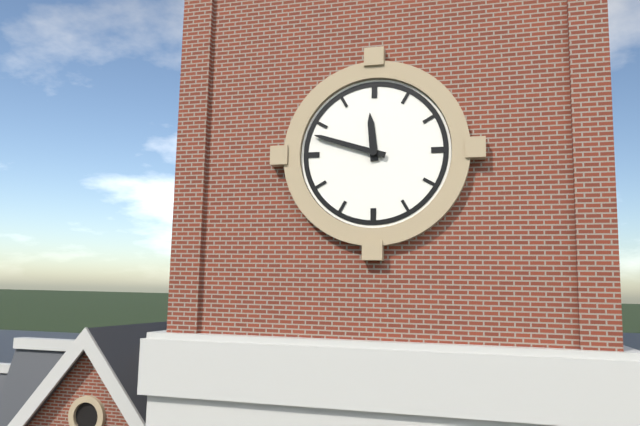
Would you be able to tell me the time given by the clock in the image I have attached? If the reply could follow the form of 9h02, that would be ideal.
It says 11h48
